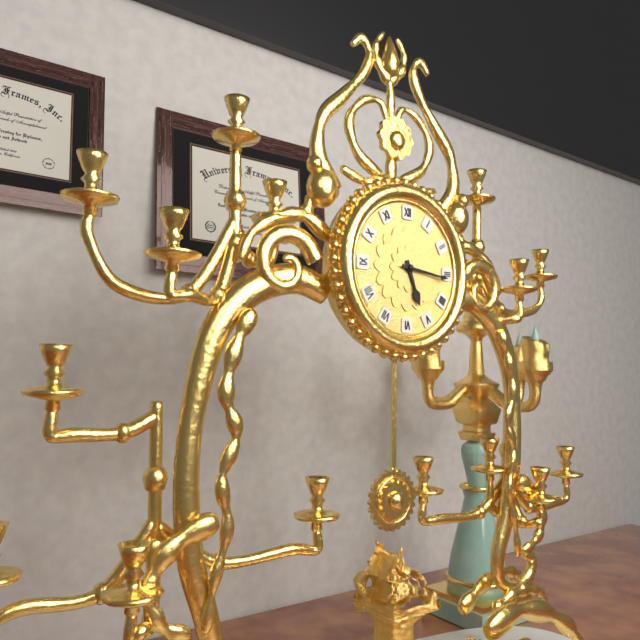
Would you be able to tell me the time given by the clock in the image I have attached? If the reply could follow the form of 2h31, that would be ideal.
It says 5h16
